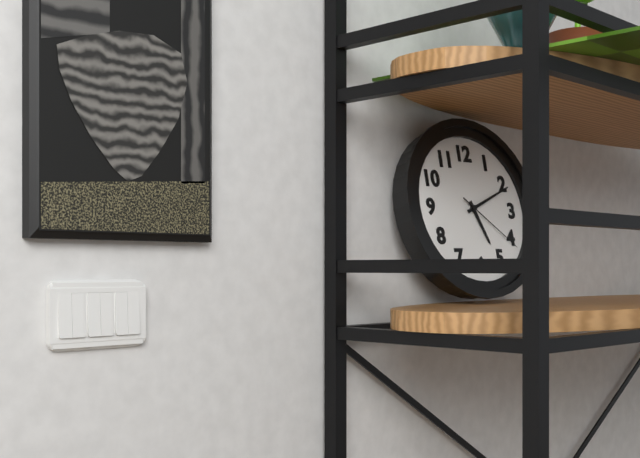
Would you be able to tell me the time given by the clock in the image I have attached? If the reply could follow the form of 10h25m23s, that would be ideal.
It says 5h11m21s
